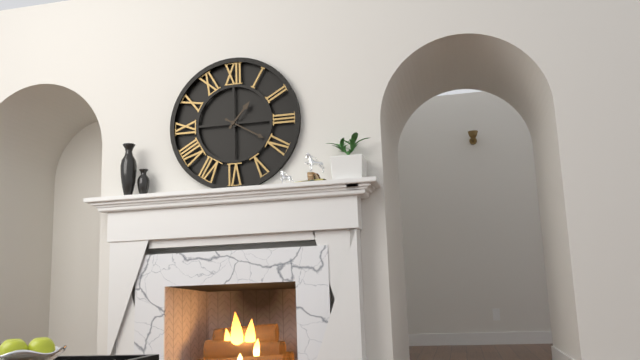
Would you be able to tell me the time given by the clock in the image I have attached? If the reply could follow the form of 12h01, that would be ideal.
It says 1h20
